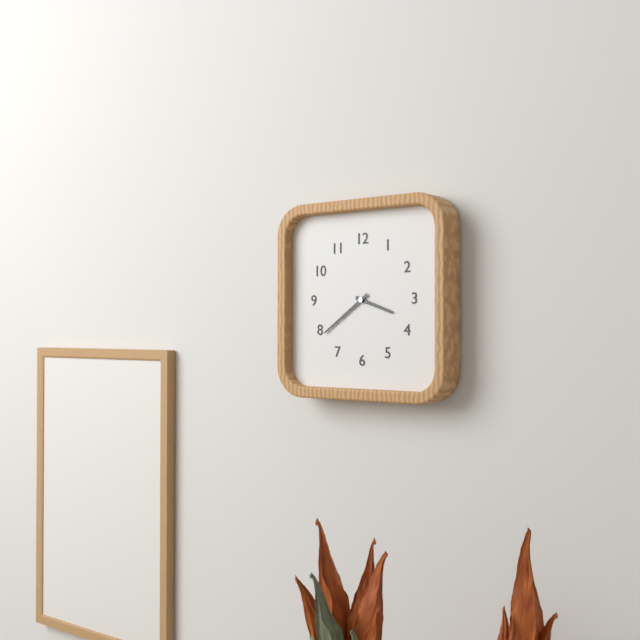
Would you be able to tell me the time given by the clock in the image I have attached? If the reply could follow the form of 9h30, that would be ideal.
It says 3h39
